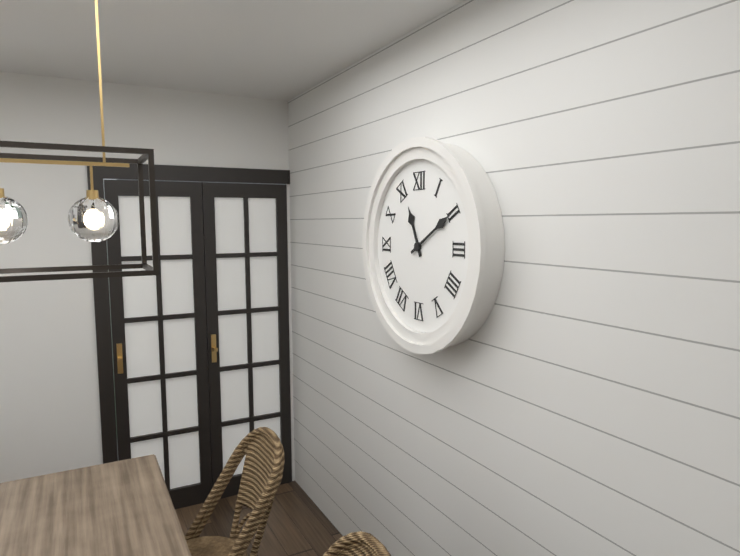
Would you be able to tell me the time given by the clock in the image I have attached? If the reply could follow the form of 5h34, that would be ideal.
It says 11h10
